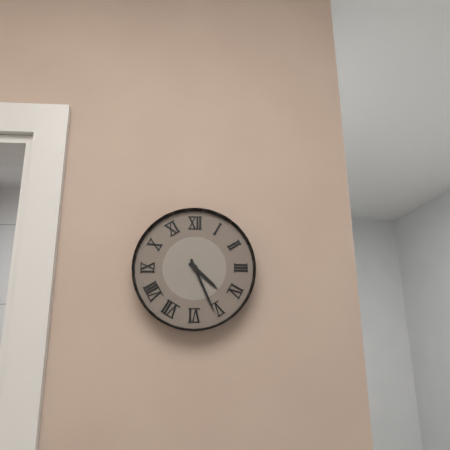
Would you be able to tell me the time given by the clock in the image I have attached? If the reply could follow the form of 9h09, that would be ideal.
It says 4h26
